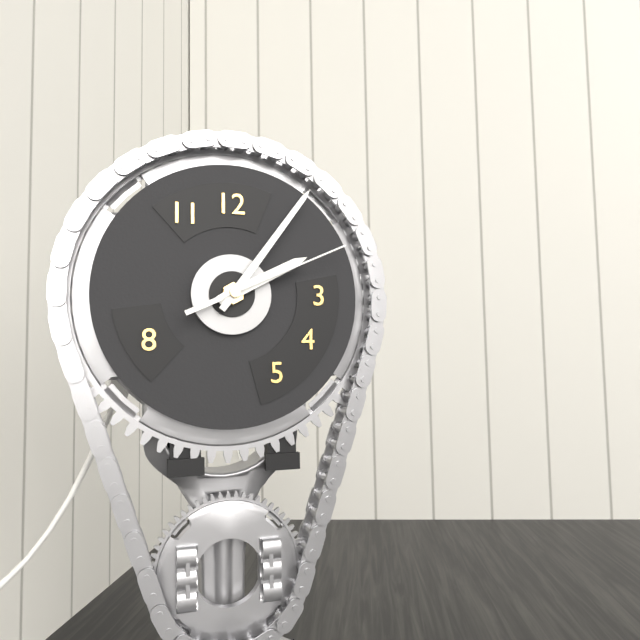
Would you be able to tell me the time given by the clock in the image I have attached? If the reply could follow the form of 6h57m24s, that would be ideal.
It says 2h06m11s
